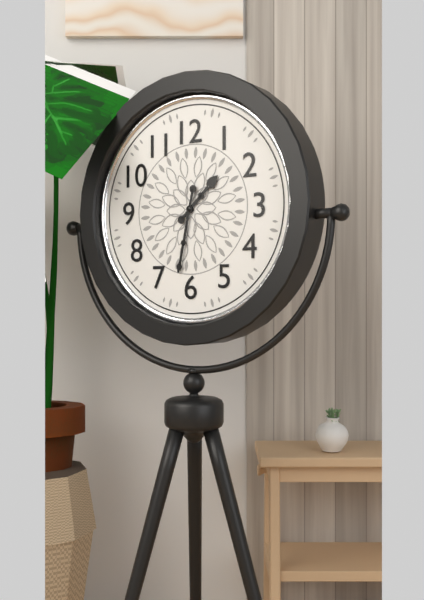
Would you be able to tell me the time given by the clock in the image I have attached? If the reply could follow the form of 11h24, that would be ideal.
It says 1h32
